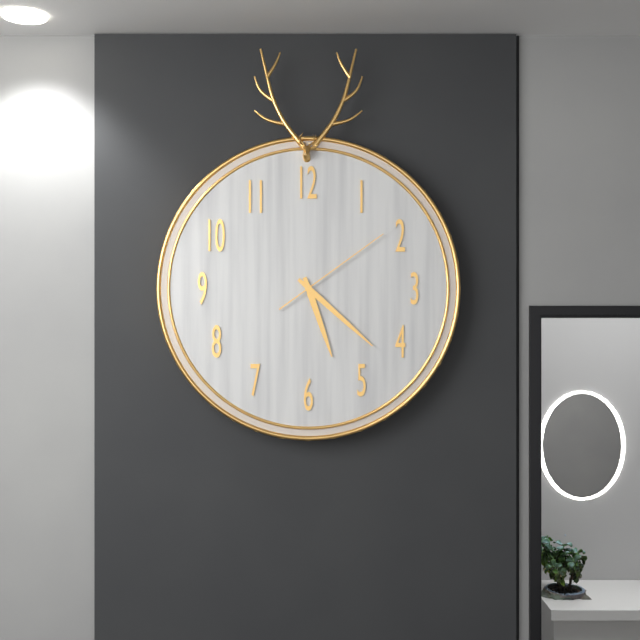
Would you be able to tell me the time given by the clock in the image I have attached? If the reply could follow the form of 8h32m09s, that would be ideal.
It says 5h22m09s
